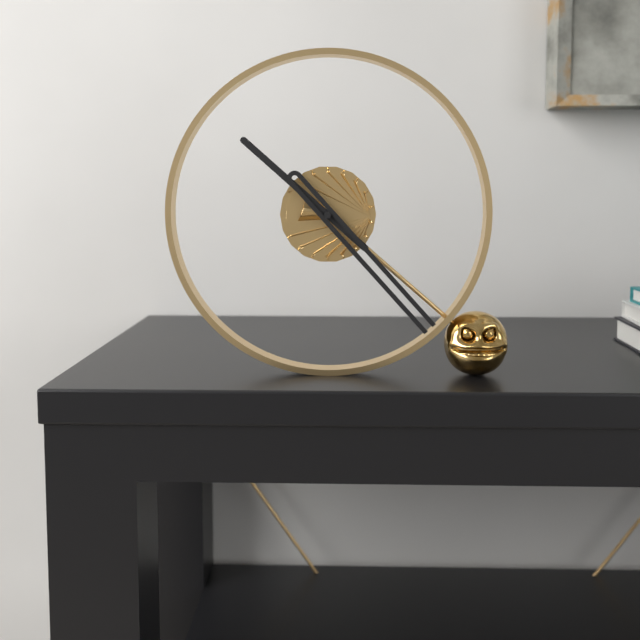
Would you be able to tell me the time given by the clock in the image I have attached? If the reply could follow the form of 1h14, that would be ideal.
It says 10h23
